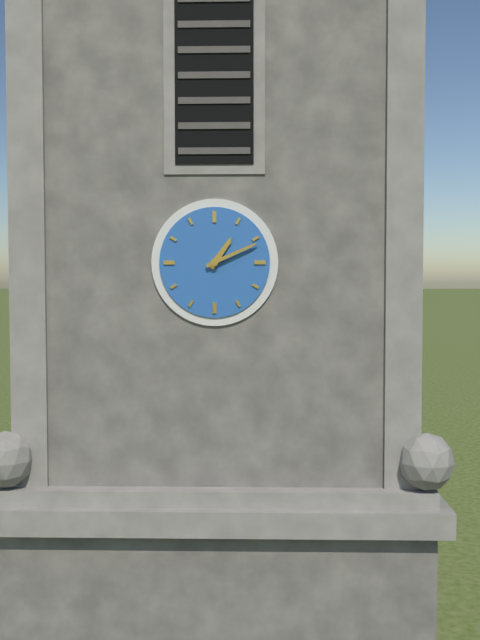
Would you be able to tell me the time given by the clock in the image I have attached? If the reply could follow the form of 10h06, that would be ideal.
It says 1h11
